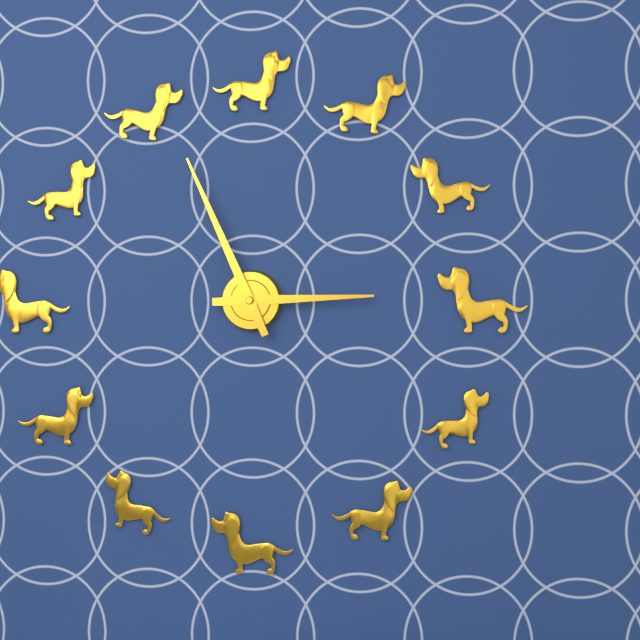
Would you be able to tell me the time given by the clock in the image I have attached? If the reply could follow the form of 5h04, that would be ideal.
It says 2h56
